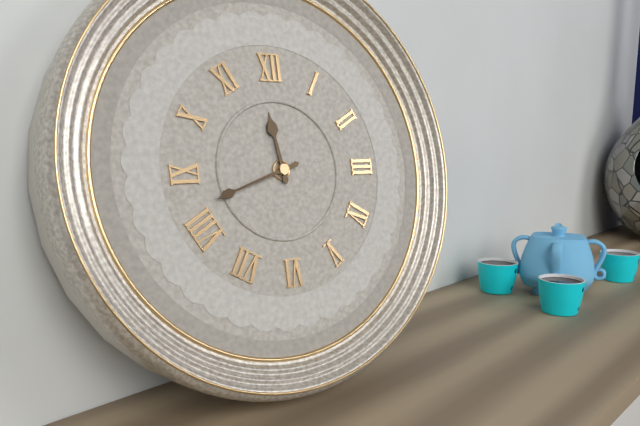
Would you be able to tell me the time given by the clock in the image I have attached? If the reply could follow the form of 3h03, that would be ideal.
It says 11h42
